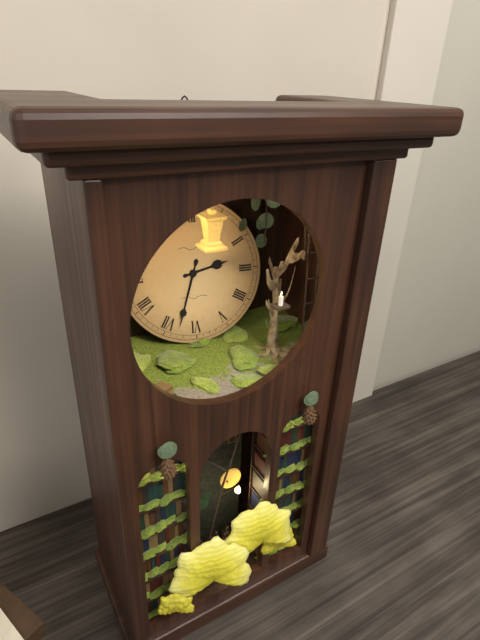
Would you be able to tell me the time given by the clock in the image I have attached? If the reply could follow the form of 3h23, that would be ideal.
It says 2h33
